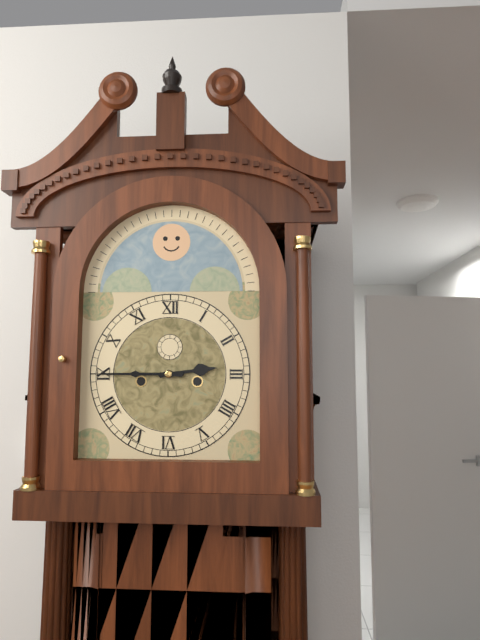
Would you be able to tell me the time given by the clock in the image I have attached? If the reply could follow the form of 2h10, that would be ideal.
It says 2h45
